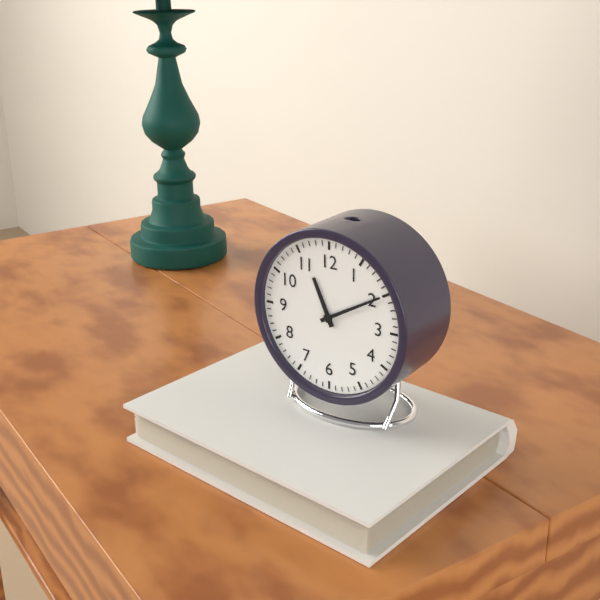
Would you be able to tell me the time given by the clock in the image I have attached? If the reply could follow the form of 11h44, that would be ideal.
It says 11h10
